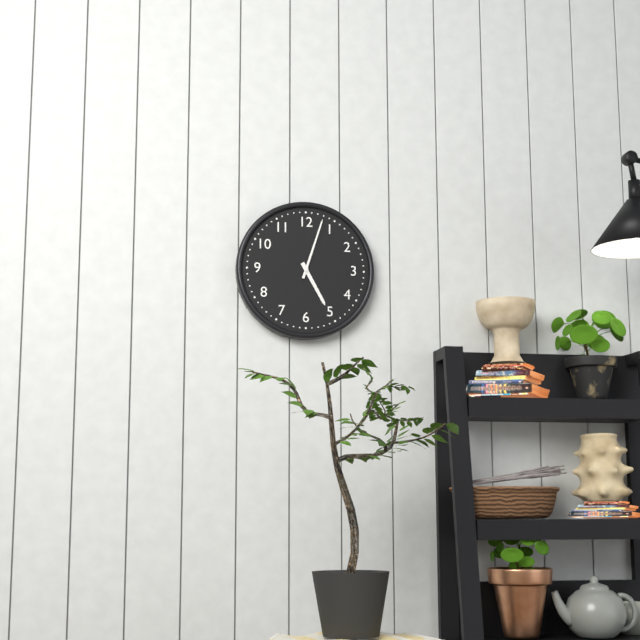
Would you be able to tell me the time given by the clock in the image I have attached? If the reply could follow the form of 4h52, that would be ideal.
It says 5h03
